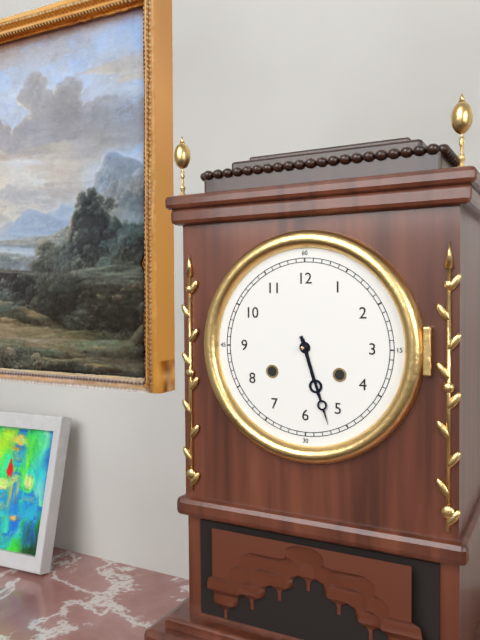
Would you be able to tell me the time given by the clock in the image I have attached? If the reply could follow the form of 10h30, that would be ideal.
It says 5h27
